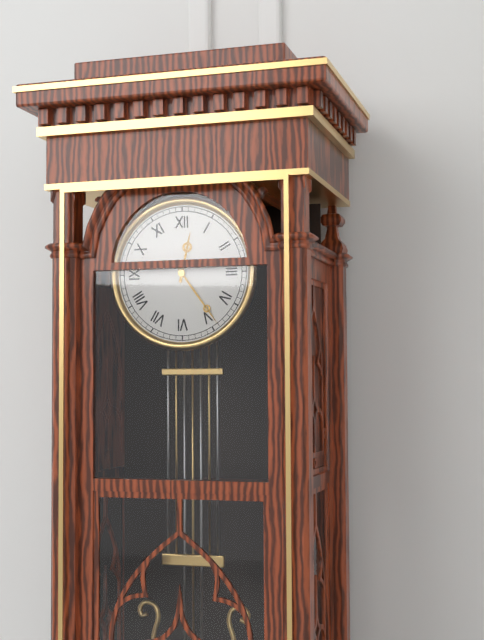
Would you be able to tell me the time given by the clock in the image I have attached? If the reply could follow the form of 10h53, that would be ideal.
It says 12h24
